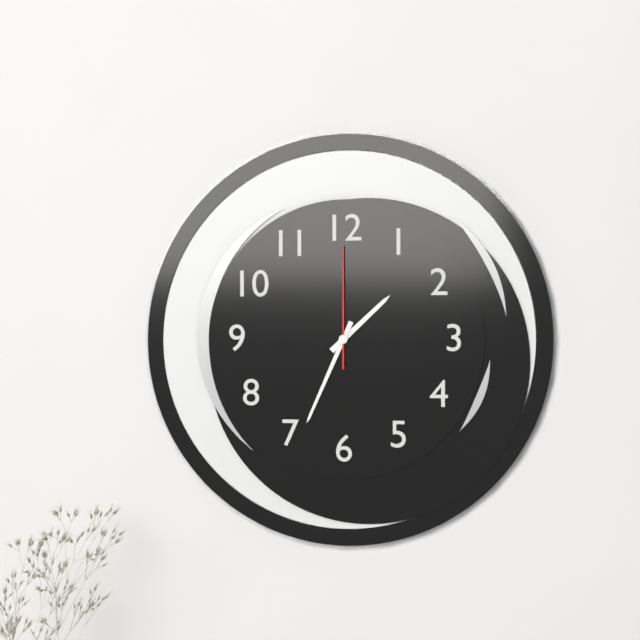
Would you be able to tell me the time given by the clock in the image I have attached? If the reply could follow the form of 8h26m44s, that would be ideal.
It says 1h34m00s
